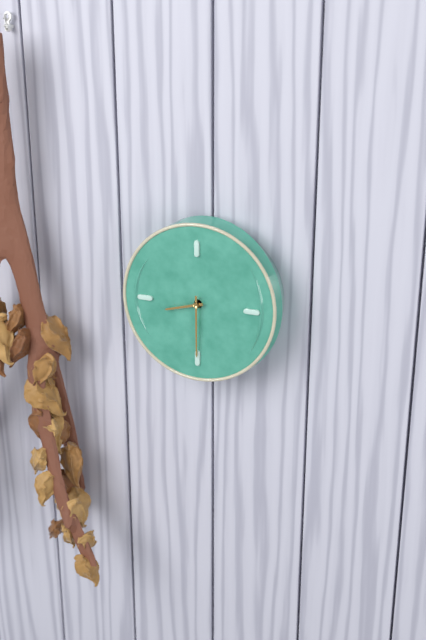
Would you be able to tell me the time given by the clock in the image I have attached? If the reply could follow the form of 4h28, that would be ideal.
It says 8h30
